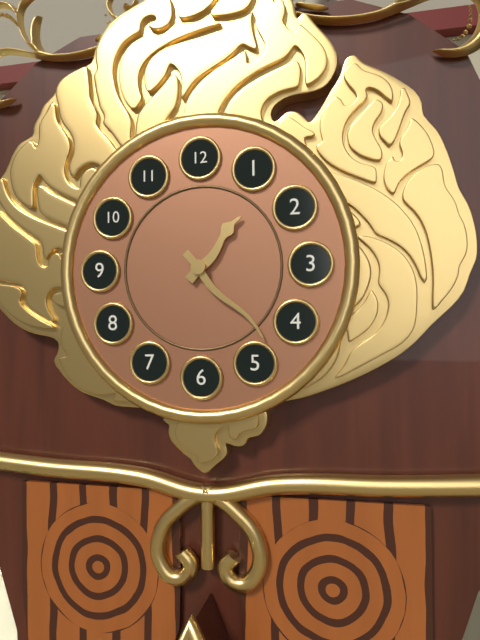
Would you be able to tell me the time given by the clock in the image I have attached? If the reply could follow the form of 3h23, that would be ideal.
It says 1h23
